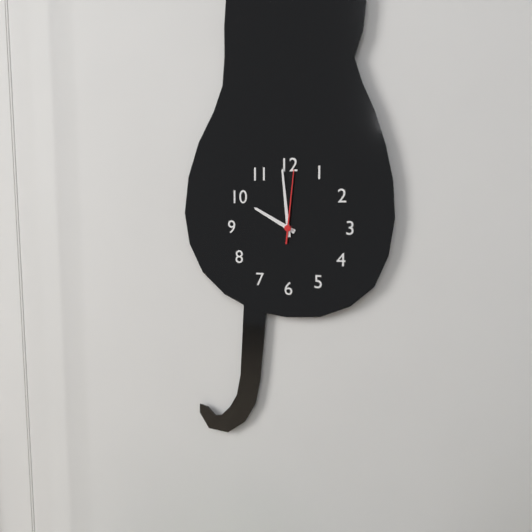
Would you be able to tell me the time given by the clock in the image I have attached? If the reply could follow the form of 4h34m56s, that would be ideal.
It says 9h59m01s
